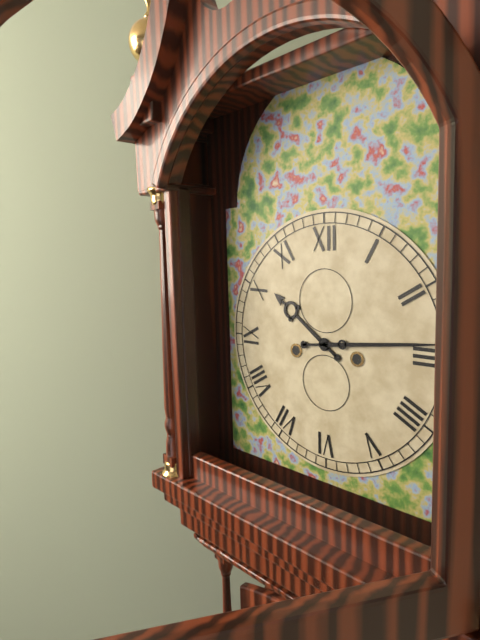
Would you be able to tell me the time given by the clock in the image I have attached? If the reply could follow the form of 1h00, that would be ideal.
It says 10h14
